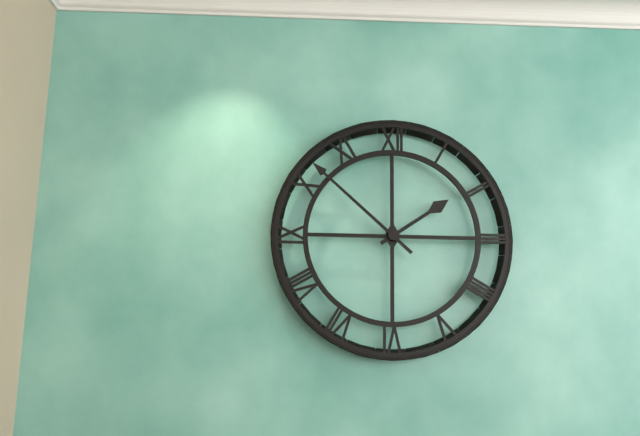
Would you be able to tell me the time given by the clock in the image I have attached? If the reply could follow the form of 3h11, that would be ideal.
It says 1h52
